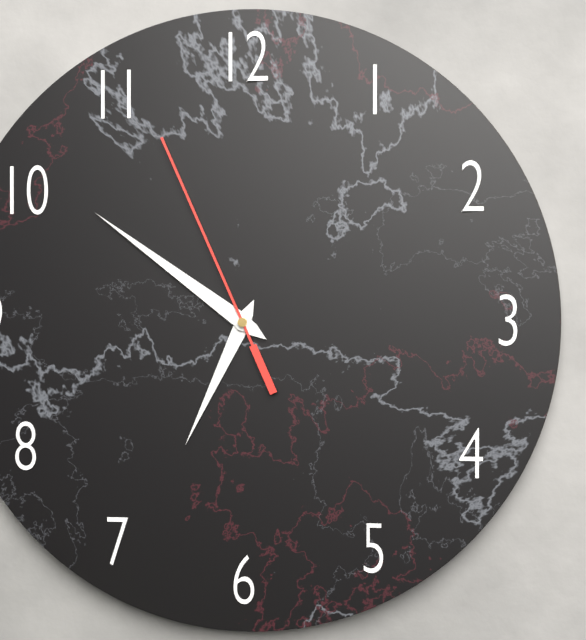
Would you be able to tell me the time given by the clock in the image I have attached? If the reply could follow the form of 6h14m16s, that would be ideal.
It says 6h51m56s
